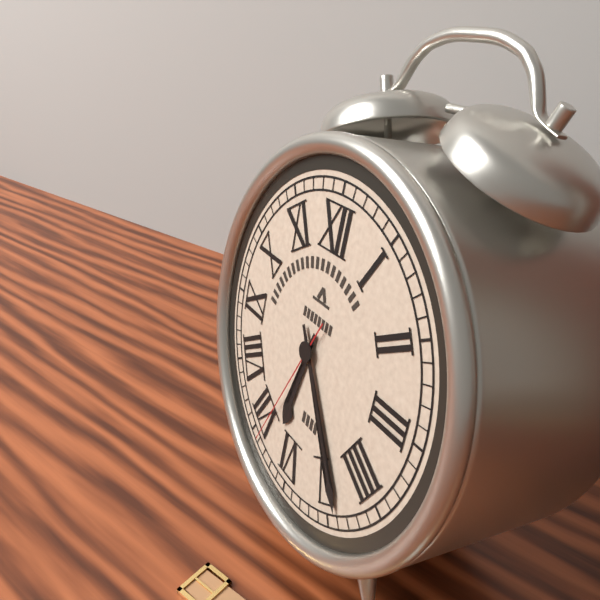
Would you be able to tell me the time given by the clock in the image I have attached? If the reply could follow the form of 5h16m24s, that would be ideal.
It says 6h24m34s
